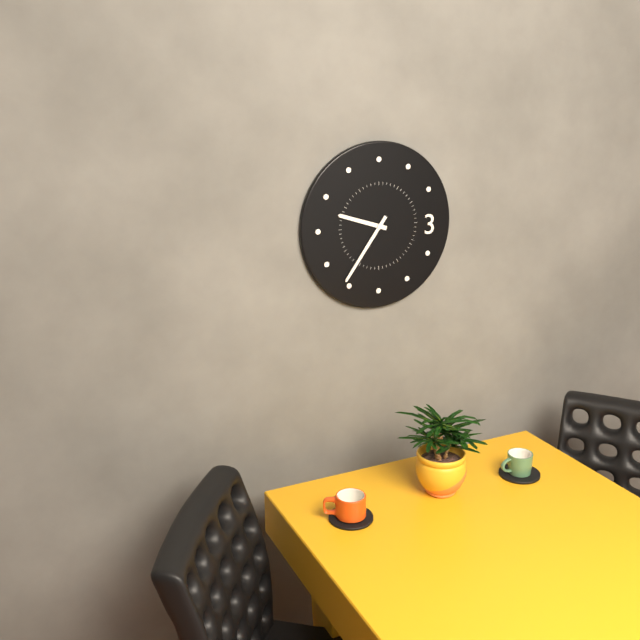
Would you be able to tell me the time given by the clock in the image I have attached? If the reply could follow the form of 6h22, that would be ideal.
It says 9h36
